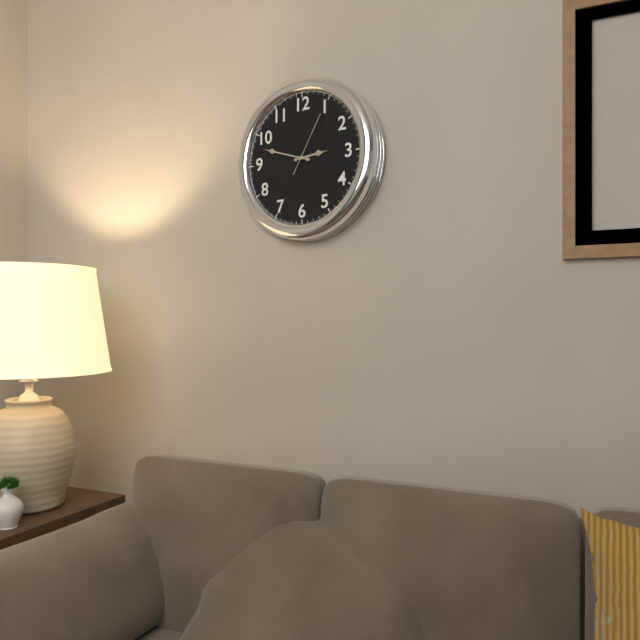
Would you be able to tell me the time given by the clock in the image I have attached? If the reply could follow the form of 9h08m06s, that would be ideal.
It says 2h48m05s
